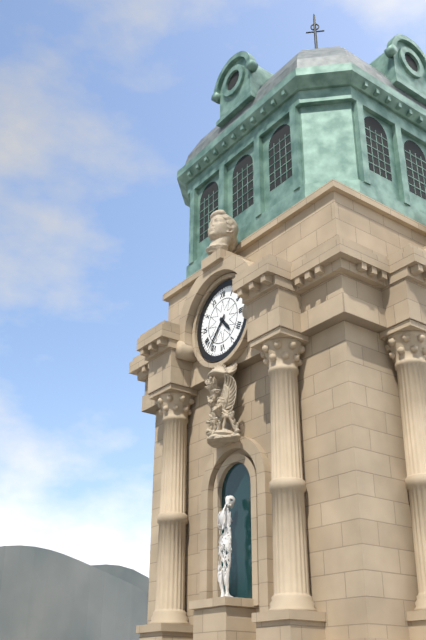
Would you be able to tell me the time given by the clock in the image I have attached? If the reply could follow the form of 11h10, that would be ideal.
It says 4h37
